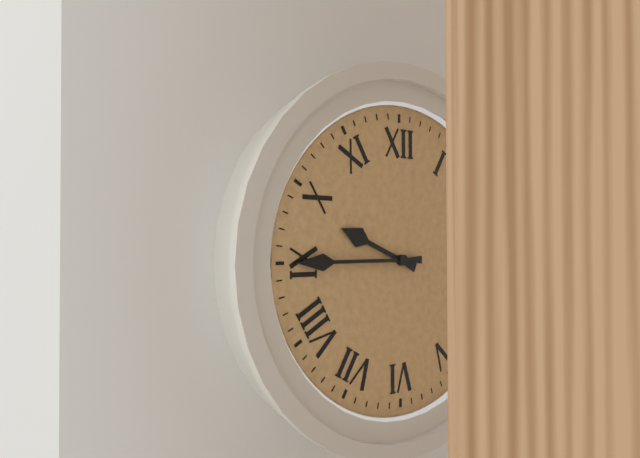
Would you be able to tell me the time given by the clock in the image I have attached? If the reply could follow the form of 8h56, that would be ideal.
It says 9h45
